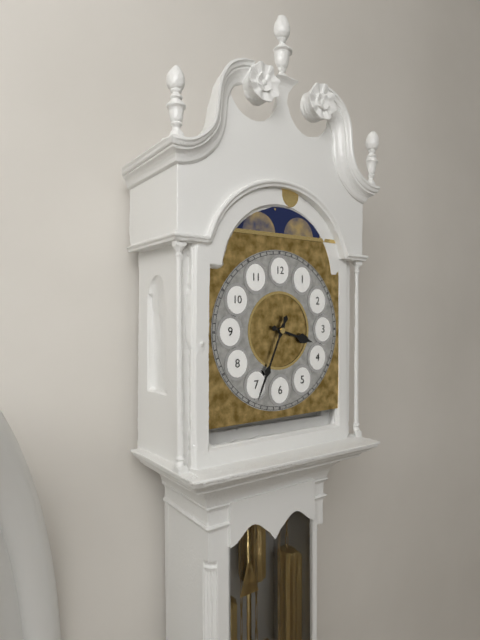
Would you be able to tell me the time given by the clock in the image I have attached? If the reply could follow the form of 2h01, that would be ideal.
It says 3h34
